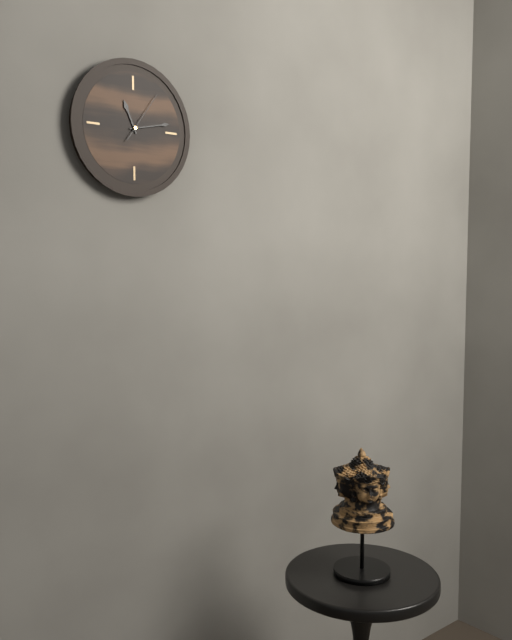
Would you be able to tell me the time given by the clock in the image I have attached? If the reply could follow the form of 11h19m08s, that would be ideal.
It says 11h13m06s
